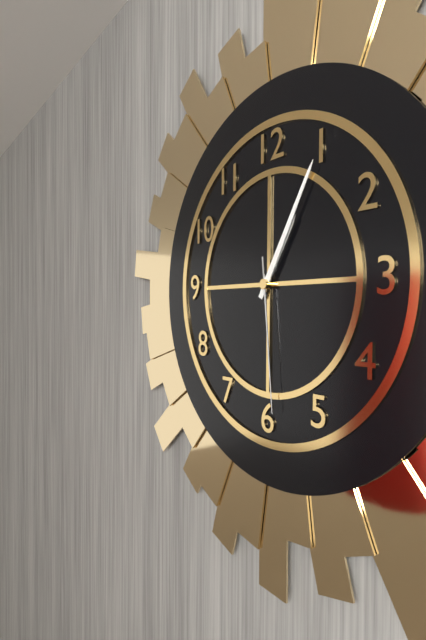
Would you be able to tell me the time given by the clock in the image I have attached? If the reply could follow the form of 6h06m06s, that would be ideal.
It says 1h05m29s
